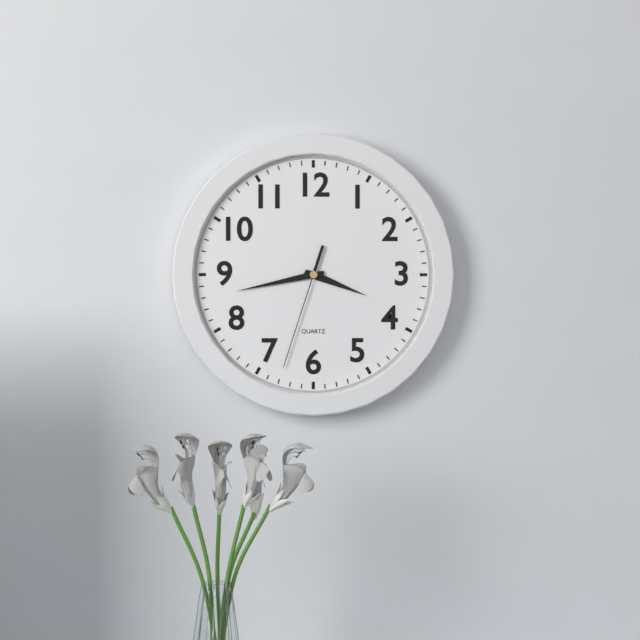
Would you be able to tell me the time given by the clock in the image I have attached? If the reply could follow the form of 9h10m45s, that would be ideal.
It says 3h43m33s
